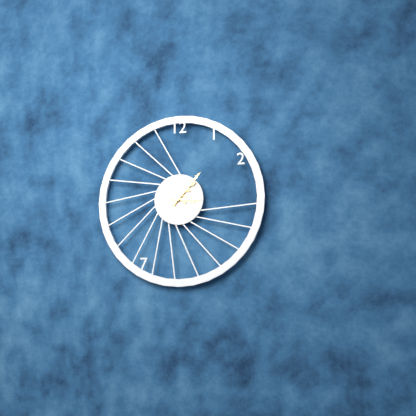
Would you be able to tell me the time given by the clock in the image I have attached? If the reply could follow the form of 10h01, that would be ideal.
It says 3h07
